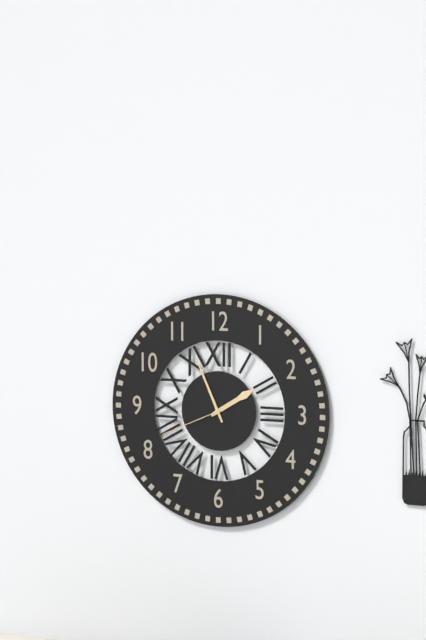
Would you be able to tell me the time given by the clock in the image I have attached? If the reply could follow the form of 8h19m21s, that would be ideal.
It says 1h56m41s
